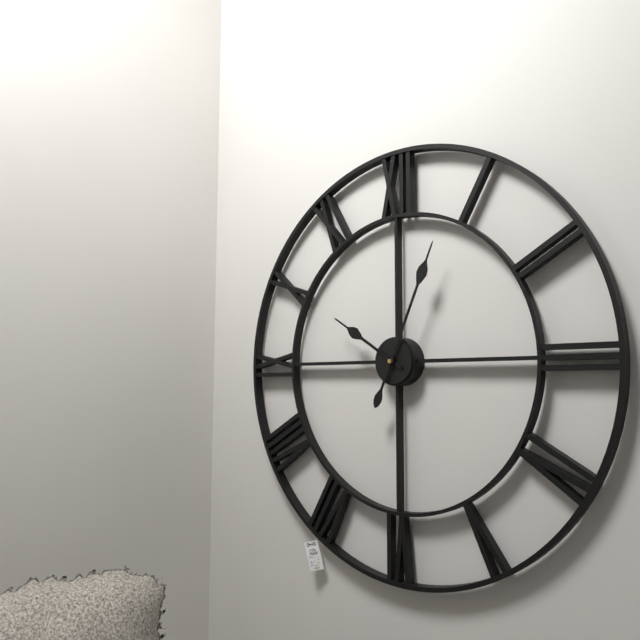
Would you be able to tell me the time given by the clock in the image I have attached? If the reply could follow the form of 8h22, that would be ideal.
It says 10h04
